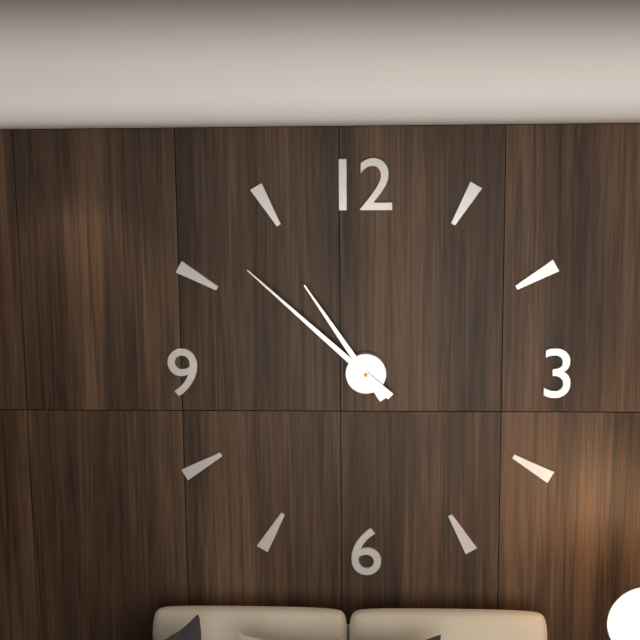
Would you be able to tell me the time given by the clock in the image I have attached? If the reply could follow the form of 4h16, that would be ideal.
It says 10h52
